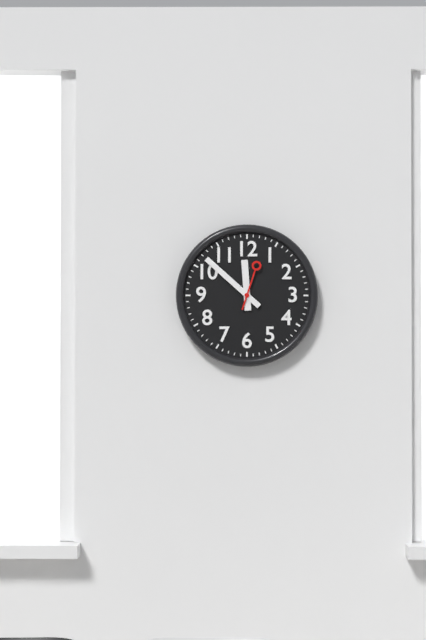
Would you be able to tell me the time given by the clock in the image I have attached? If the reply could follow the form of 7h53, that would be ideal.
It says 11h52
